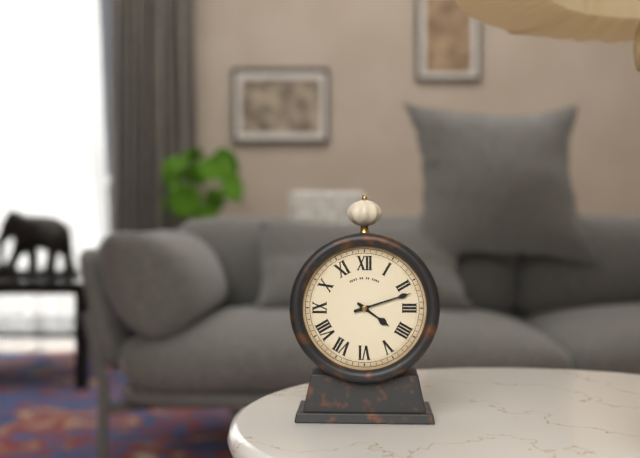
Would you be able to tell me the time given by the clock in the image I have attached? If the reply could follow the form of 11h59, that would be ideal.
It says 4h12
